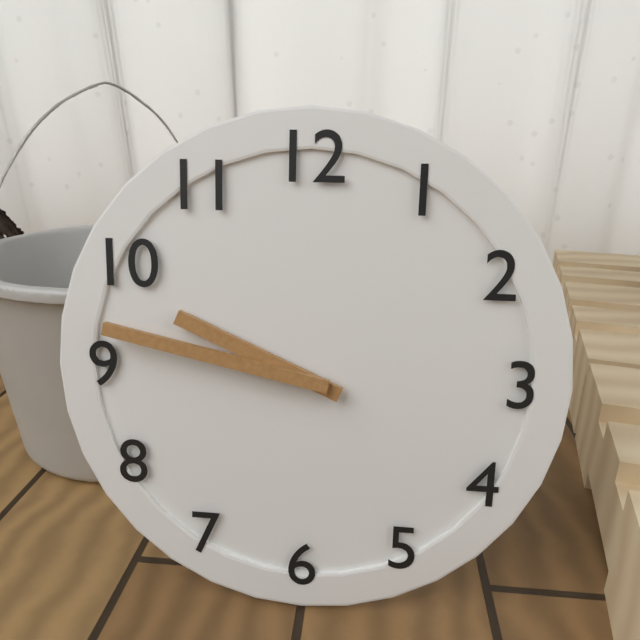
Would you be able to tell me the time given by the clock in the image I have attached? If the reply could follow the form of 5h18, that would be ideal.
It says 9h47
